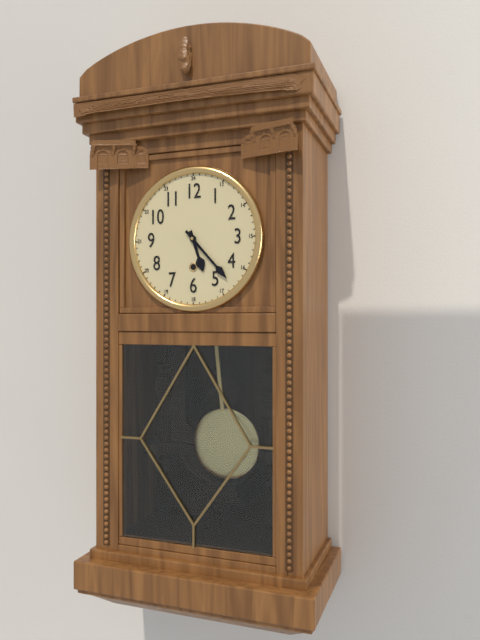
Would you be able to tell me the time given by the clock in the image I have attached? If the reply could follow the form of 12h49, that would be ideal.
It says 5h23
